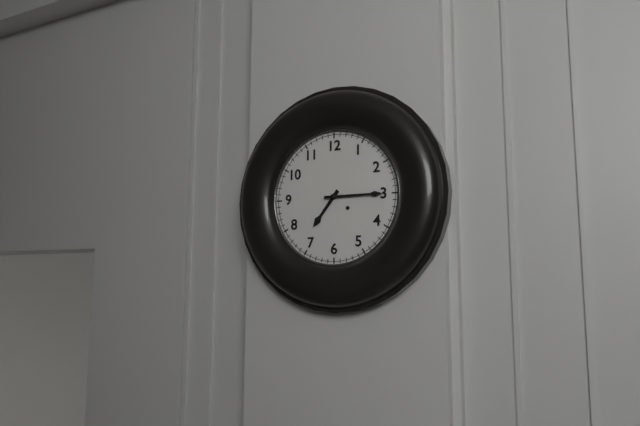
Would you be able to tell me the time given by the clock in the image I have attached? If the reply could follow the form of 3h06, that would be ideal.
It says 7h15
